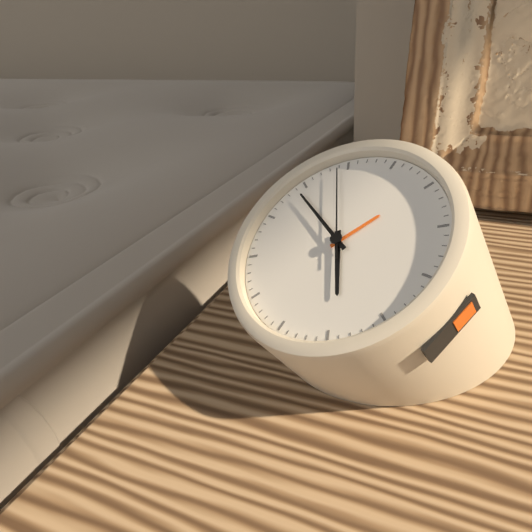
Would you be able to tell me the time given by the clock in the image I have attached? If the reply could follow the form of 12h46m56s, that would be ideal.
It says 4h49m54s
